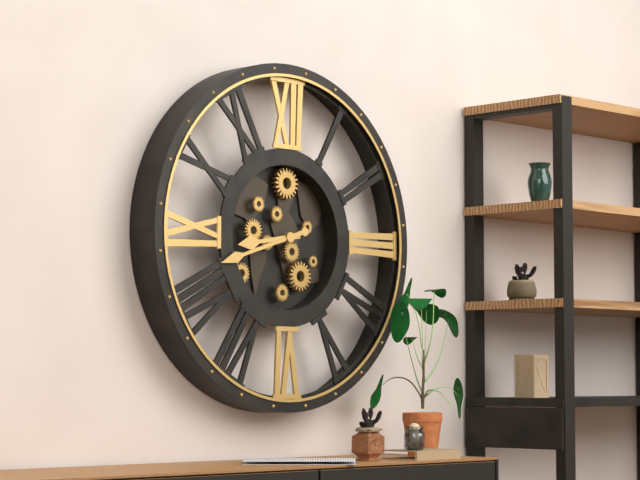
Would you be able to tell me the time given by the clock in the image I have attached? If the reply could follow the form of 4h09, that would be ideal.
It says 8h42
